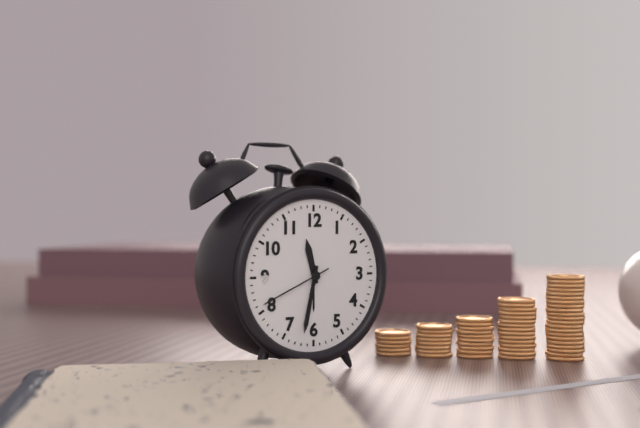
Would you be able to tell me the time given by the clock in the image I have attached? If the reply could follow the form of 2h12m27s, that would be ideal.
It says 11h32m41s
